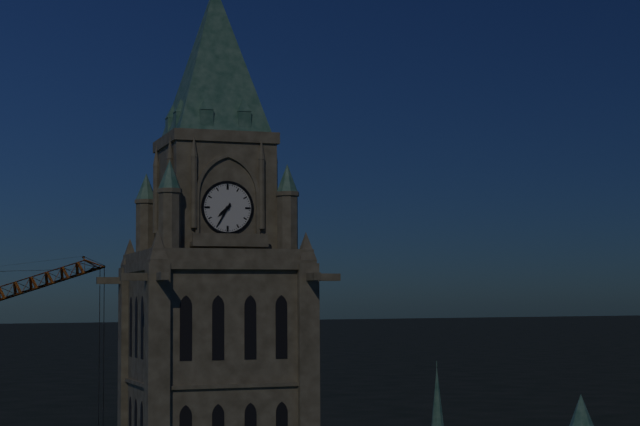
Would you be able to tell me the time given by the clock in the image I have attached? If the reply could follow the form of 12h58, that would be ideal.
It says 7h35
